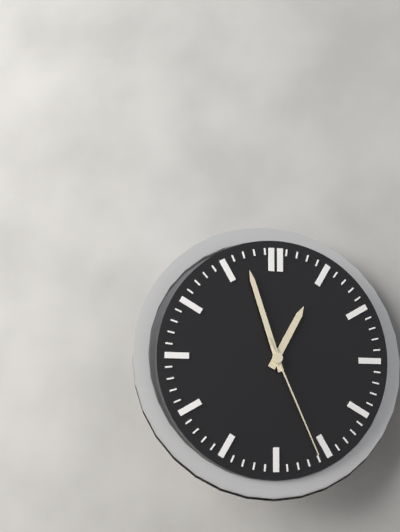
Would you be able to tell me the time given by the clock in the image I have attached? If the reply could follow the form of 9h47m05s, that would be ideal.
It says 12h57m26s
